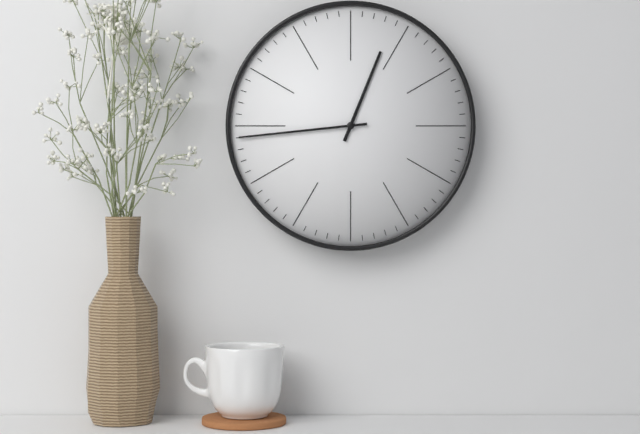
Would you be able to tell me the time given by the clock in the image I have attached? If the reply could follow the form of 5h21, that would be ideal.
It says 12h44
